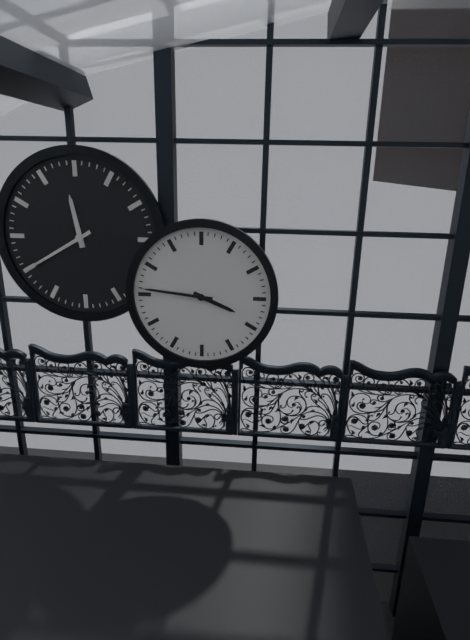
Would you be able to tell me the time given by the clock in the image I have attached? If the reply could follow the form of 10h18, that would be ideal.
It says 3h46
